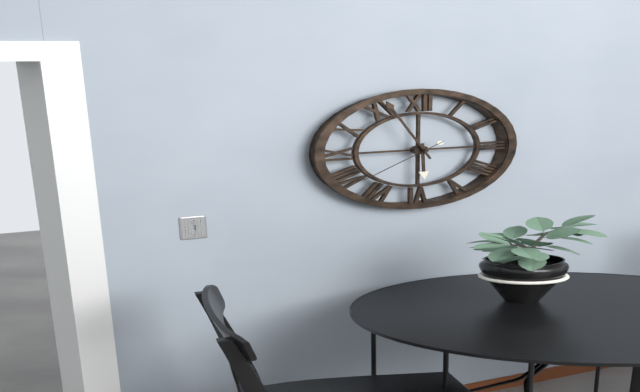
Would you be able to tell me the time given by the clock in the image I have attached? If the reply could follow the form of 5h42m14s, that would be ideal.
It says 5h56m39s
